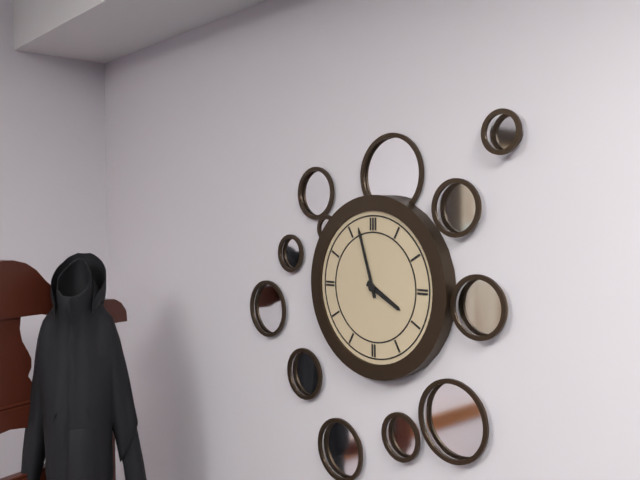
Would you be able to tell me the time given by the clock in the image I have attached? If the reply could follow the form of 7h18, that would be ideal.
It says 3h57
